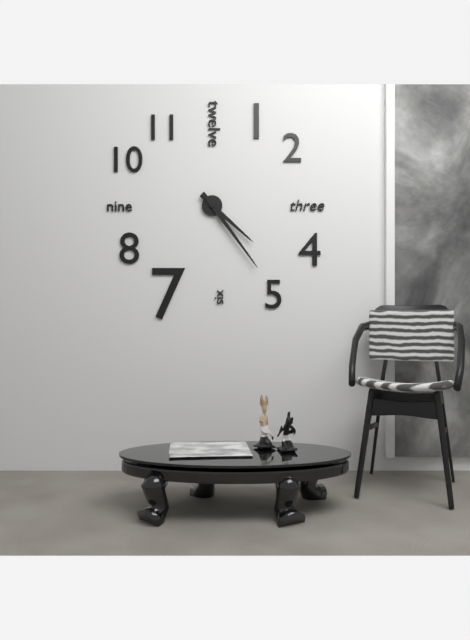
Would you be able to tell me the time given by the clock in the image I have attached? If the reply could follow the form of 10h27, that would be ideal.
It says 4h24
